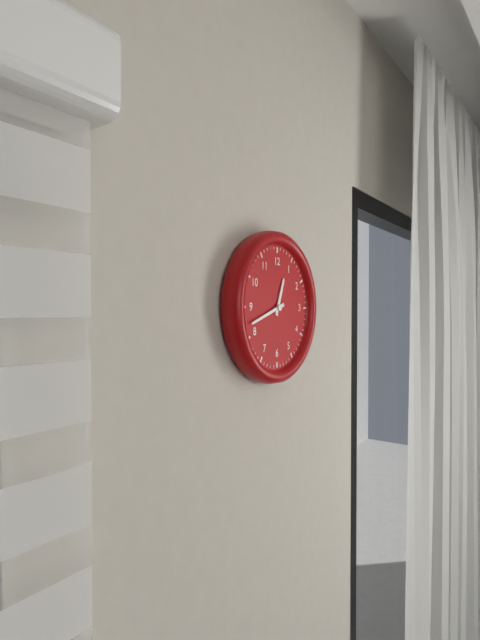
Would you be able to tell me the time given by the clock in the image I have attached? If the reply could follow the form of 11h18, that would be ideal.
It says 12h42
